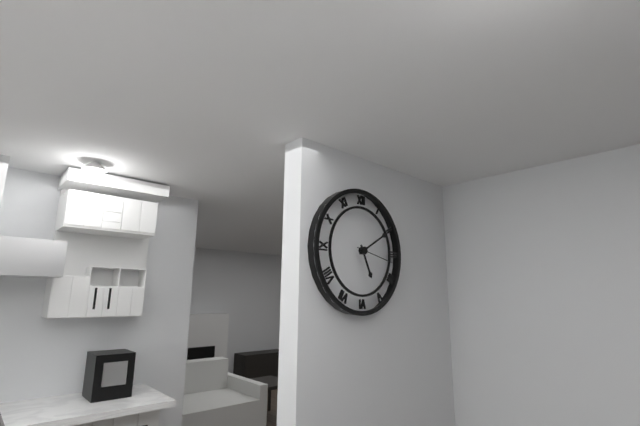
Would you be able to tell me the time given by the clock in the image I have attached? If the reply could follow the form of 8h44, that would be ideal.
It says 5h10
